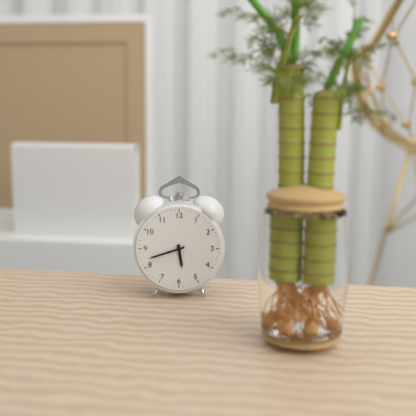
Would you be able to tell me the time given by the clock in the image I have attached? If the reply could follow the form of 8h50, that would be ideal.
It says 5h42
